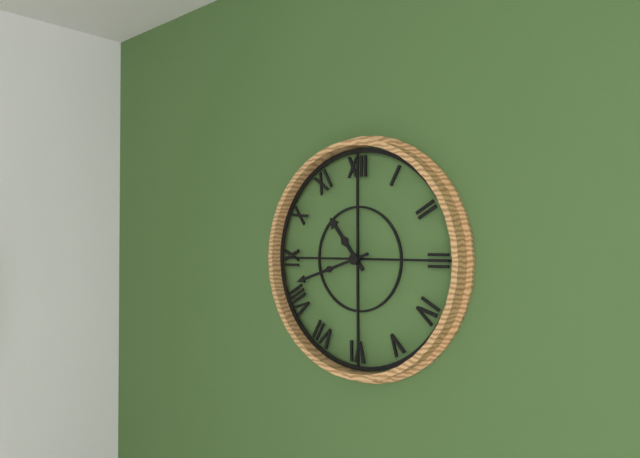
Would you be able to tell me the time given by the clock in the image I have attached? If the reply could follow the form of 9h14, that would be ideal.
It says 10h42
